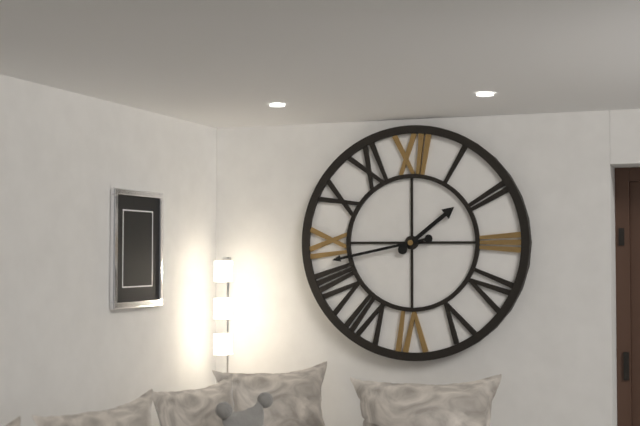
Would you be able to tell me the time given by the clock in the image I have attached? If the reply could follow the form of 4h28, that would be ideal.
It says 1h43
